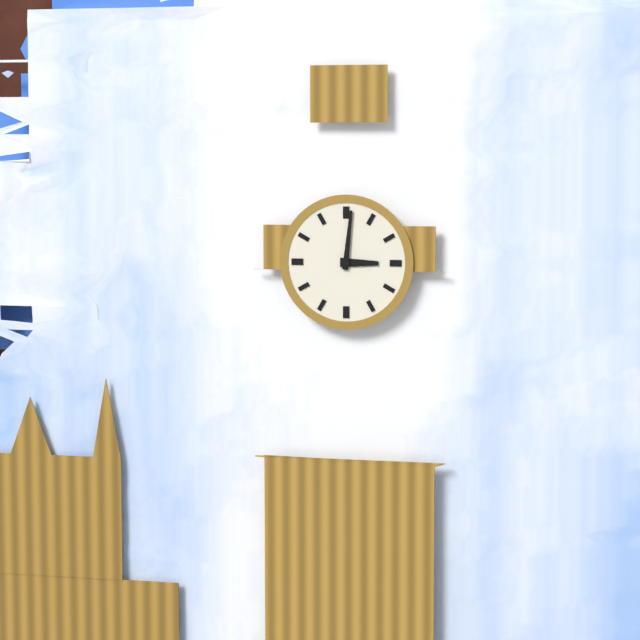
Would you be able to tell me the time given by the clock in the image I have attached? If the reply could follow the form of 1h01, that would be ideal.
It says 3h01
